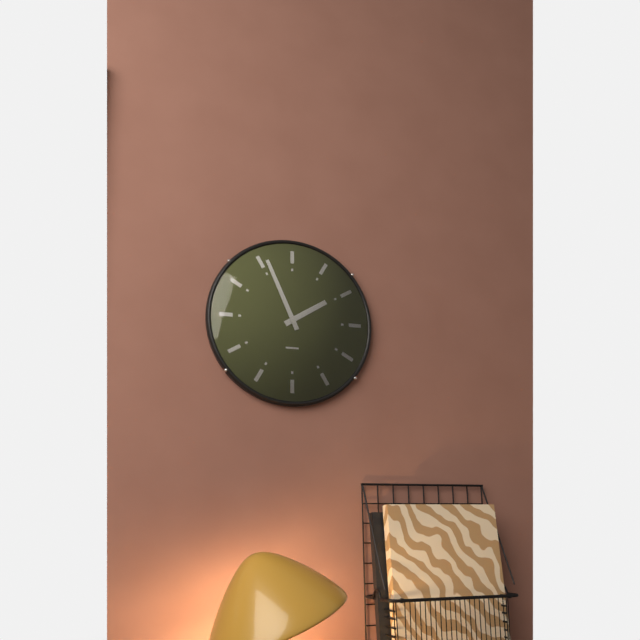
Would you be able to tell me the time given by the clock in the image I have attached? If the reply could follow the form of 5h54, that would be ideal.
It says 1h56
